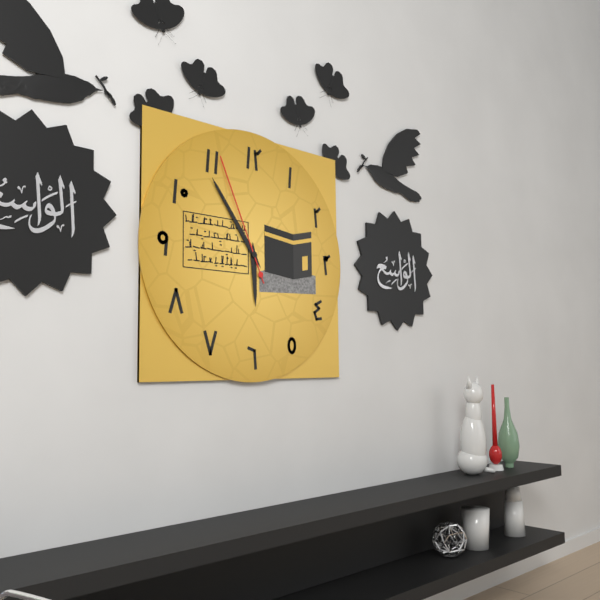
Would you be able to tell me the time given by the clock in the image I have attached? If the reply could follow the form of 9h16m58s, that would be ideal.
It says 5h54m56s
